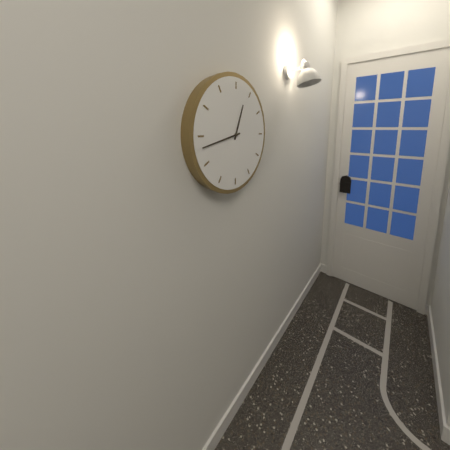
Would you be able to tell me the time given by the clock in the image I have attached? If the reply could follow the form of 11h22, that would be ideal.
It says 12h43
